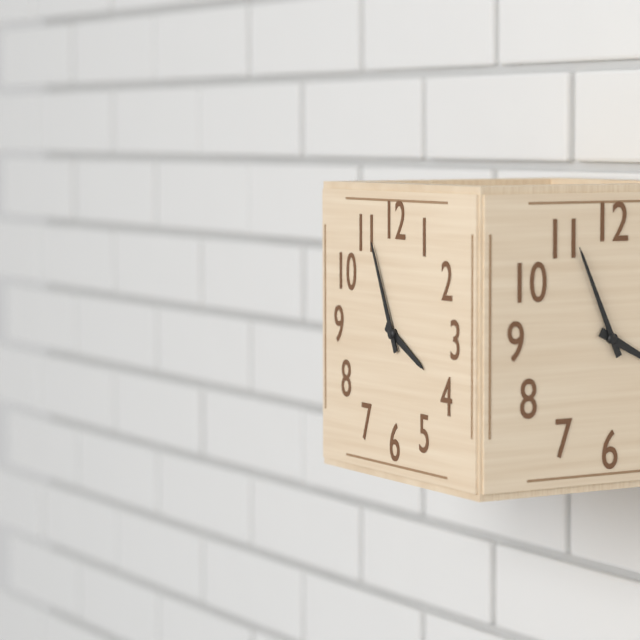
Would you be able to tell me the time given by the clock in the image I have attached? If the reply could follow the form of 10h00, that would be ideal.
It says 3h56
